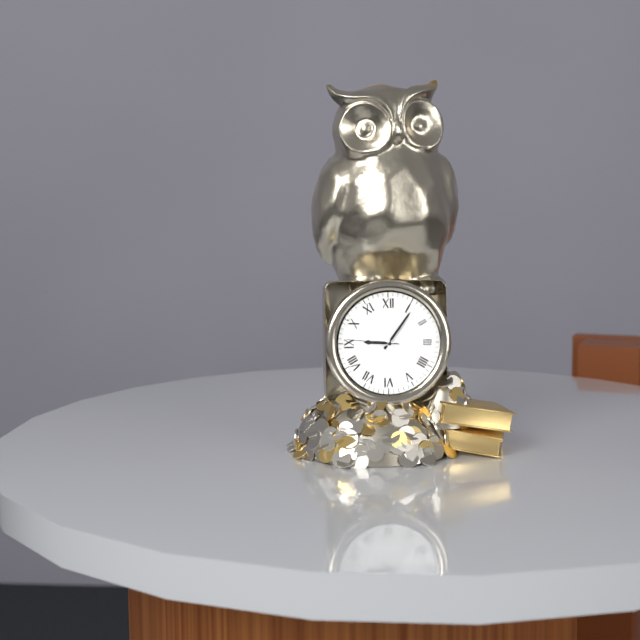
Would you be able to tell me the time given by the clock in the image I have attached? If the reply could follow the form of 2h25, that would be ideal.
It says 9h06
